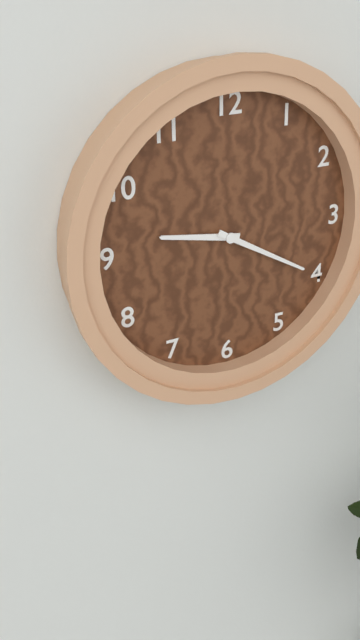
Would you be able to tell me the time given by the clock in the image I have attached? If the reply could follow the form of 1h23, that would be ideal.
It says 9h20
